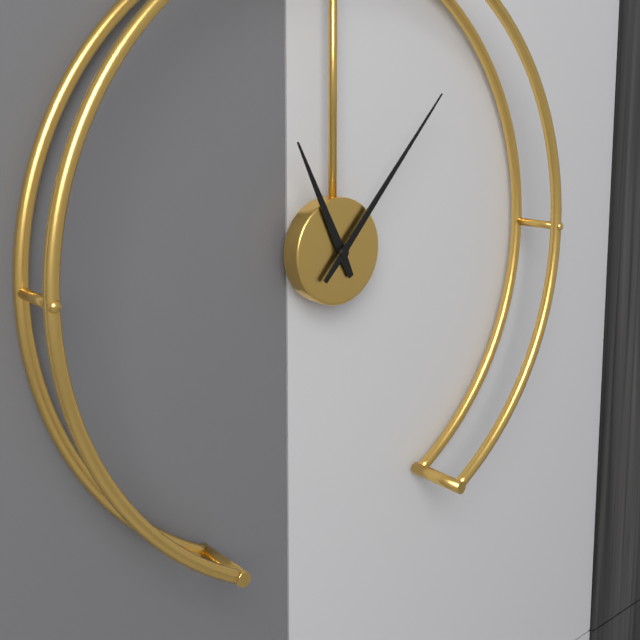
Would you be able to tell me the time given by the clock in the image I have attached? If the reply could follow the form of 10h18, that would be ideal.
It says 11h07
